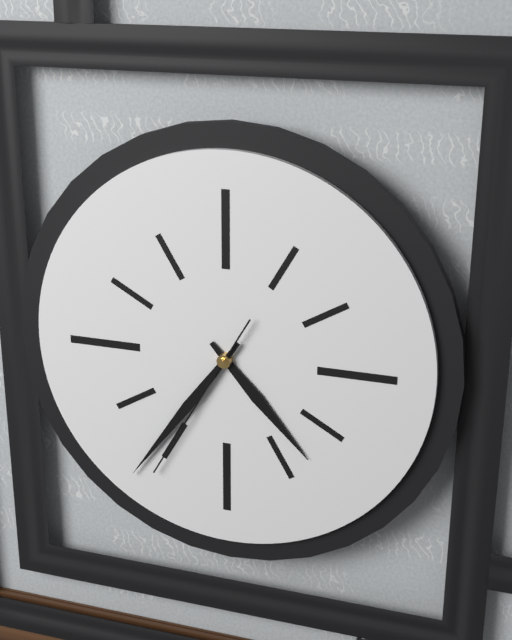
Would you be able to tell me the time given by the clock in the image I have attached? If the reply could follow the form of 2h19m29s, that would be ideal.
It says 4h36m35s
